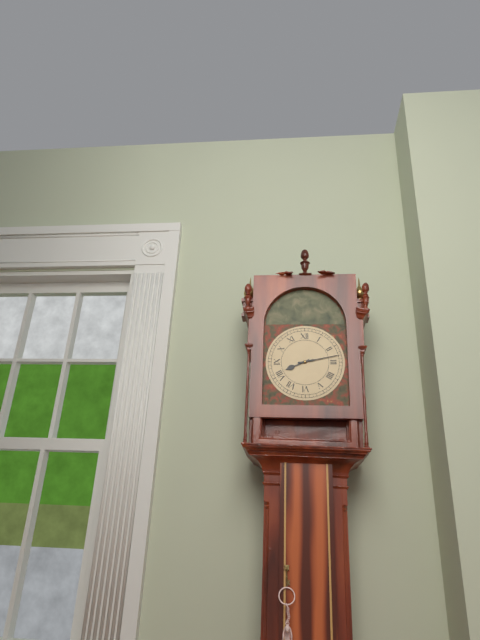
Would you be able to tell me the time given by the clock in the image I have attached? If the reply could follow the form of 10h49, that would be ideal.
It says 8h13
